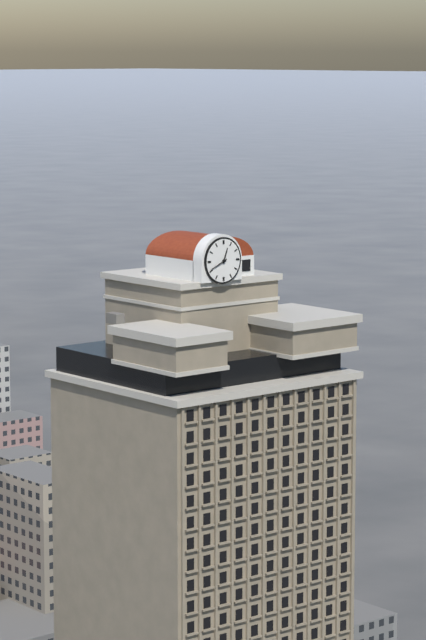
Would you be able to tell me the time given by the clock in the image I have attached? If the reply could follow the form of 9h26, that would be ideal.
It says 12h41
